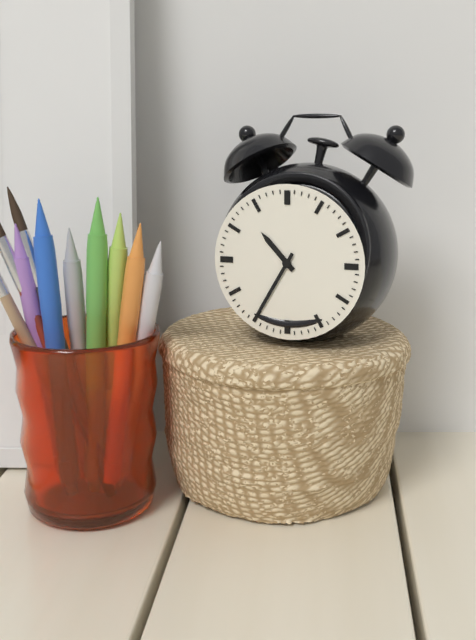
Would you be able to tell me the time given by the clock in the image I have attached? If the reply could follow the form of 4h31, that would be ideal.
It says 10h35
